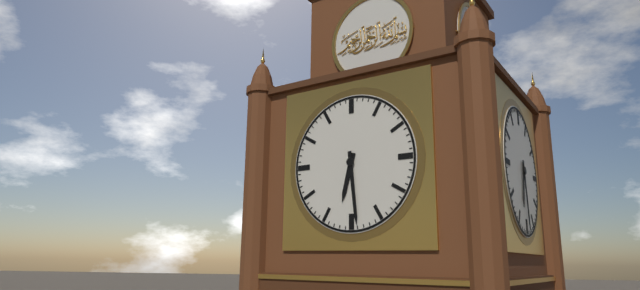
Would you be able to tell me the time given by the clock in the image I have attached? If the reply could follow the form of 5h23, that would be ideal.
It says 6h29
